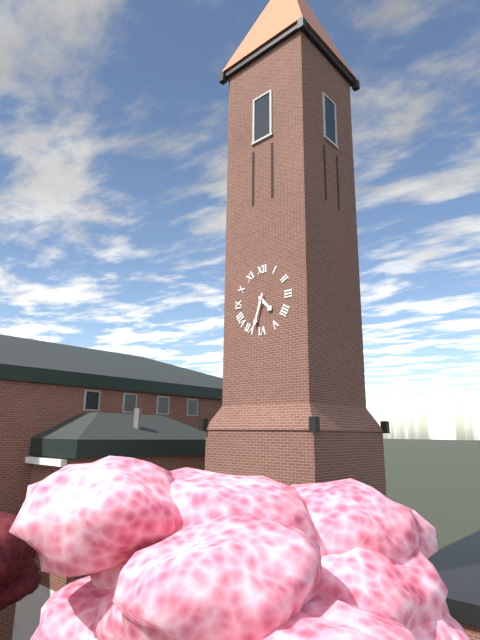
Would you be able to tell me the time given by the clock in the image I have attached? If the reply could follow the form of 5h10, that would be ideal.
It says 4h33
